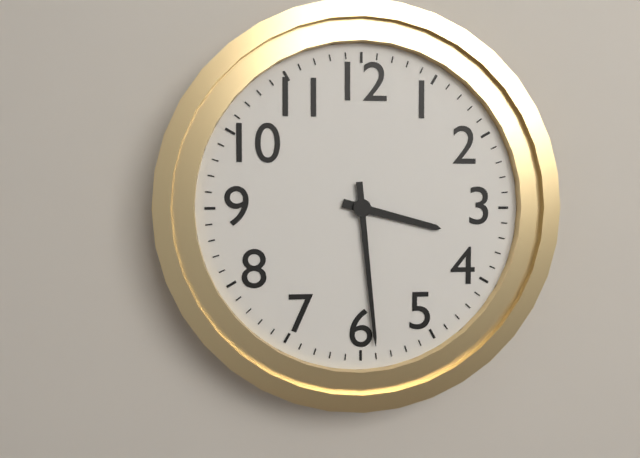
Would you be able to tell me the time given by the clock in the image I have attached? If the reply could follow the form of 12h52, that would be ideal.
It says 3h29
